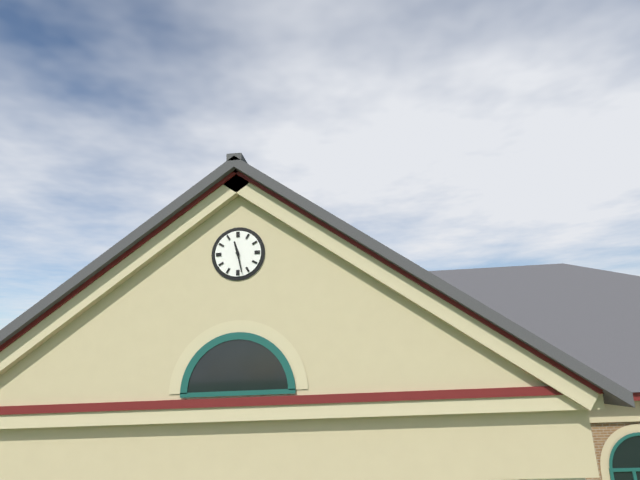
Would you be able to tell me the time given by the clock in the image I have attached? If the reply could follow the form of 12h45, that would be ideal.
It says 11h28
